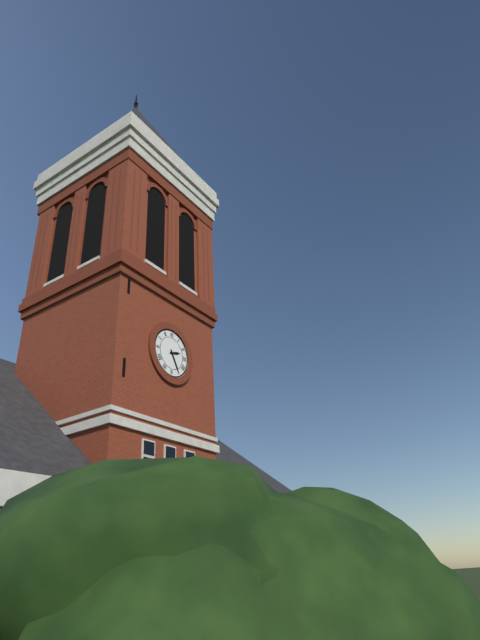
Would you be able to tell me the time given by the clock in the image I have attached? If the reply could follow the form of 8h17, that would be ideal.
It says 2h25
